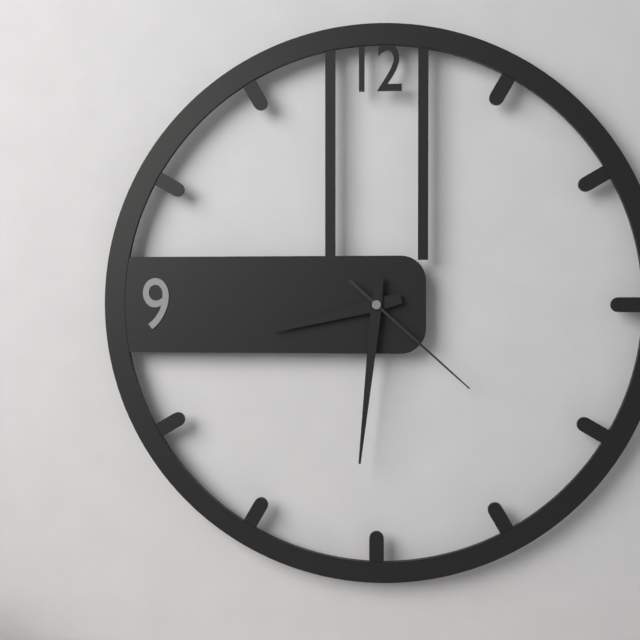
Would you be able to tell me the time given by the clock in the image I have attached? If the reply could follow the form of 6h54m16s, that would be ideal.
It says 8h31m22s
